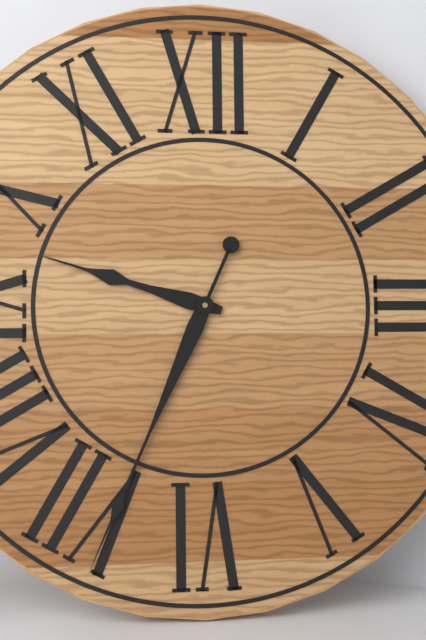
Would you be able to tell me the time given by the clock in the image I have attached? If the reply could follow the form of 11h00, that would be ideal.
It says 9h34
